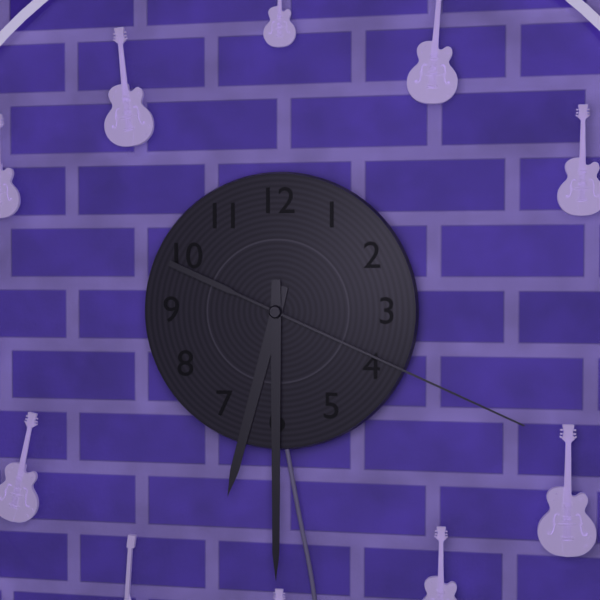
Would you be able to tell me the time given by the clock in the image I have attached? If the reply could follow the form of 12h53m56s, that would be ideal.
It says 6h30m19s
